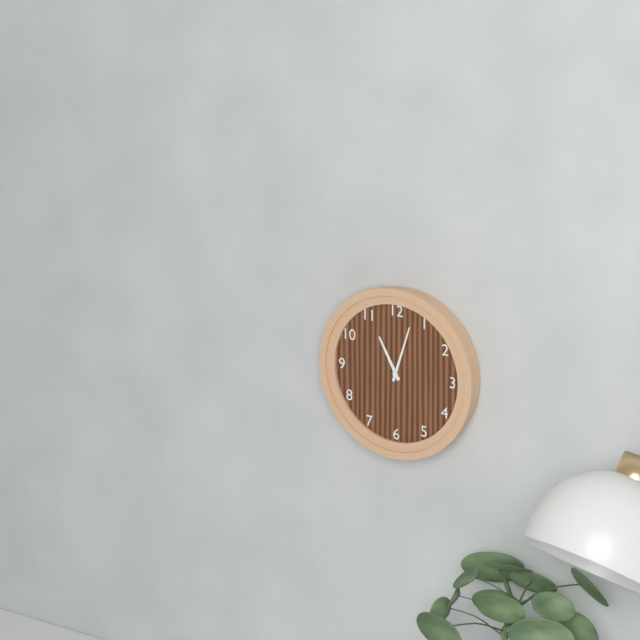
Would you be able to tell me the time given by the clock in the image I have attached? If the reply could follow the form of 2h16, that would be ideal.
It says 11h03
